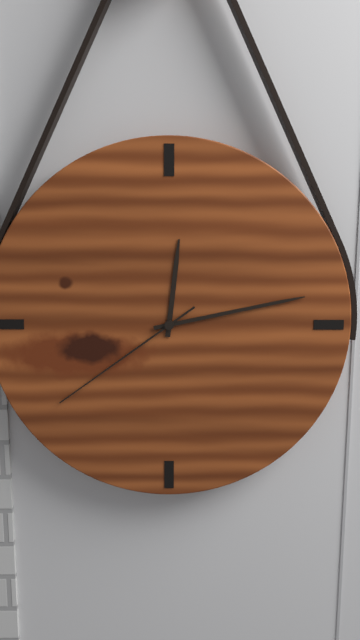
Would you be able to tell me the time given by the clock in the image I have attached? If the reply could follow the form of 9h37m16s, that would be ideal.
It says 12h13m39s
